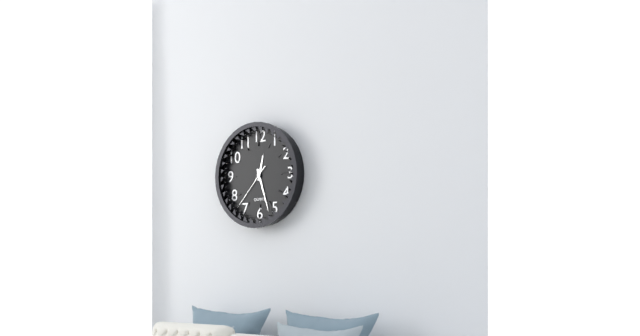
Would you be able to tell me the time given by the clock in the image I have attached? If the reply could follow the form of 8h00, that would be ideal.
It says 12h27
